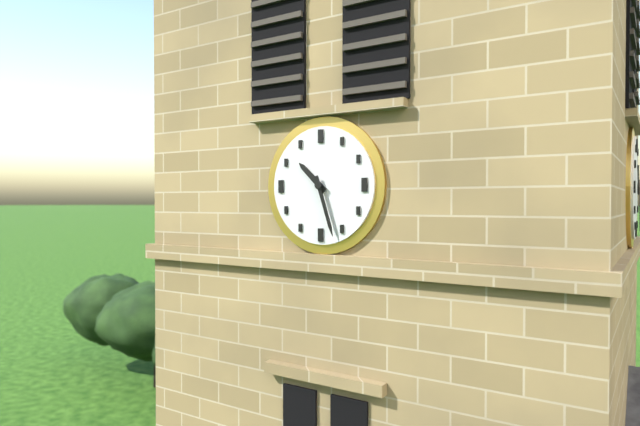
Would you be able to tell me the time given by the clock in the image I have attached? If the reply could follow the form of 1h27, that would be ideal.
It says 10h27
